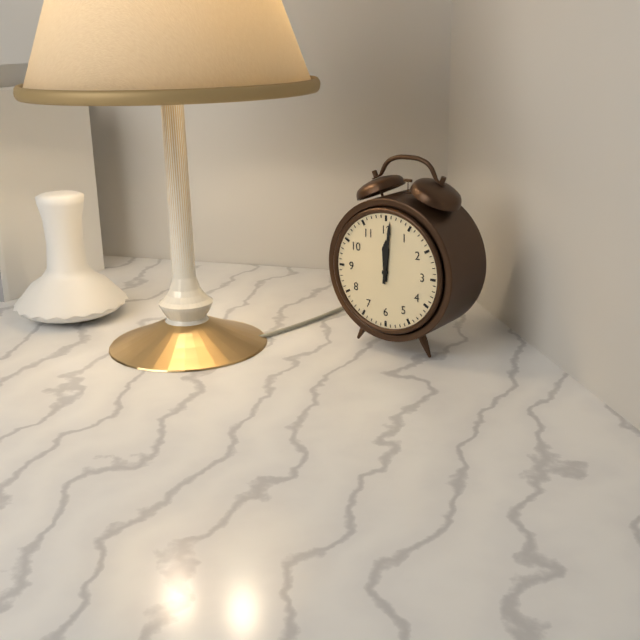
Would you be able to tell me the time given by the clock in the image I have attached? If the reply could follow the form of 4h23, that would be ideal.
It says 12h01
